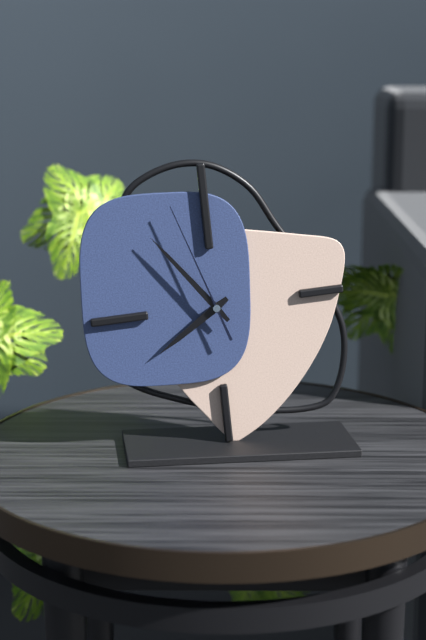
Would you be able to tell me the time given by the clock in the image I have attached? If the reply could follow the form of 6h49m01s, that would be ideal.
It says 7h54m57s
